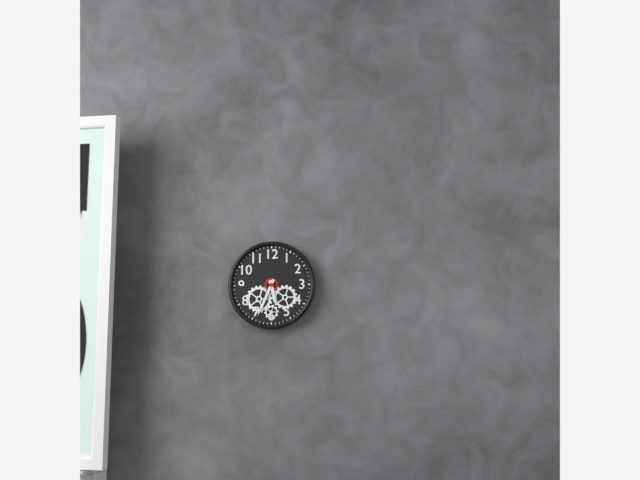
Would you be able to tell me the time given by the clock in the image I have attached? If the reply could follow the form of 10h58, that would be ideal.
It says 5h34
